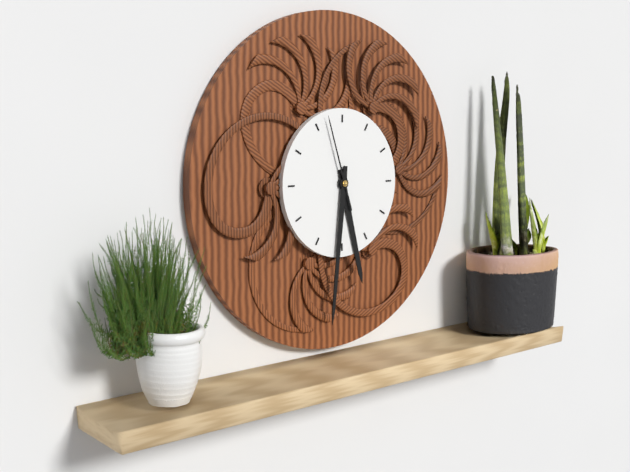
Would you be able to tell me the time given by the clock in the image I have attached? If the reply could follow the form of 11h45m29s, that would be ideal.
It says 5h31m57s
